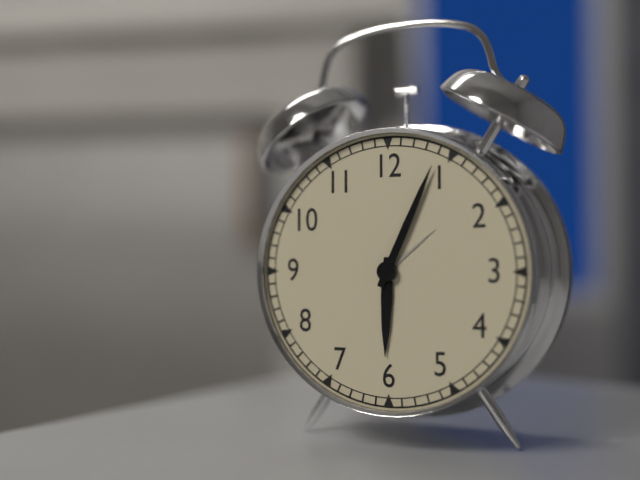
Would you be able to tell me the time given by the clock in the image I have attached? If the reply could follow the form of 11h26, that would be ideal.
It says 6h04
